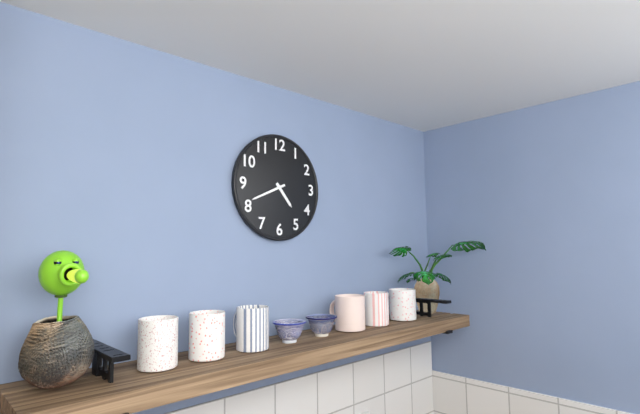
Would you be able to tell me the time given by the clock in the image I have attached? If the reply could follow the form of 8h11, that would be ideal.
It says 4h41
